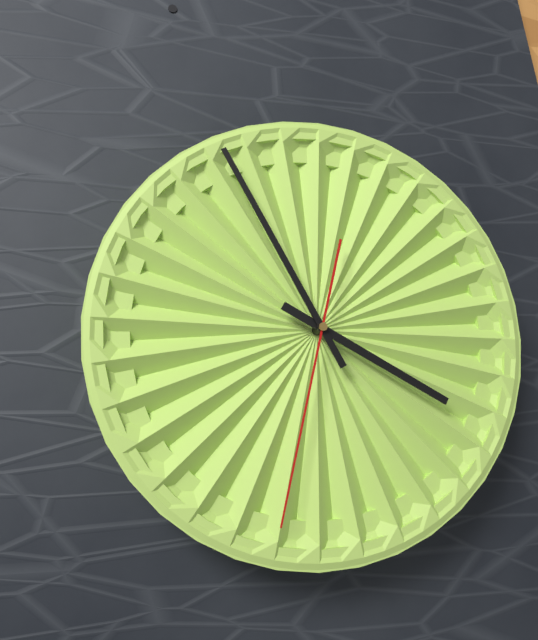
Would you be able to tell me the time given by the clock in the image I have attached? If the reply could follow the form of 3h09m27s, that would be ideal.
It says 3h55m32s
